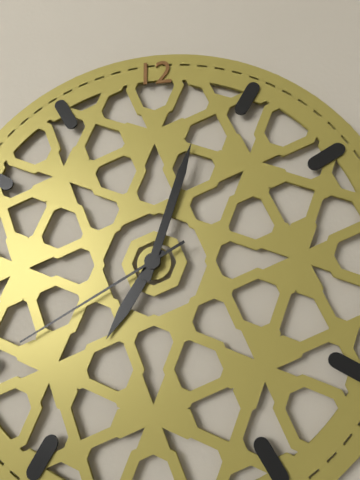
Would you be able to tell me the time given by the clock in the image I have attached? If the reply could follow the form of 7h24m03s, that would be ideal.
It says 7h03m40s
